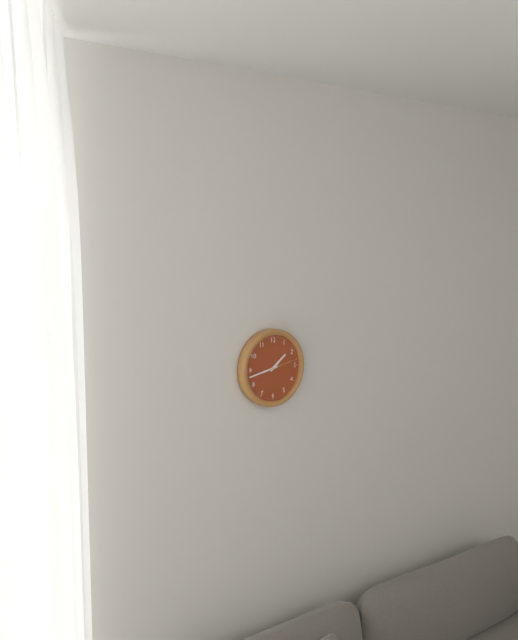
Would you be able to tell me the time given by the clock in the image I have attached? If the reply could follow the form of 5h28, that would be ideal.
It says 1h43
